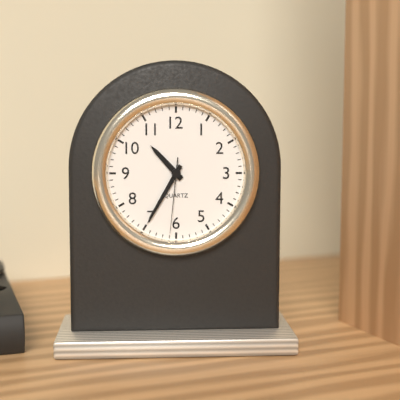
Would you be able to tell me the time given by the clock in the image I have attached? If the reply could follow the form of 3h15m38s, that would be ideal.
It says 10h35m31s
